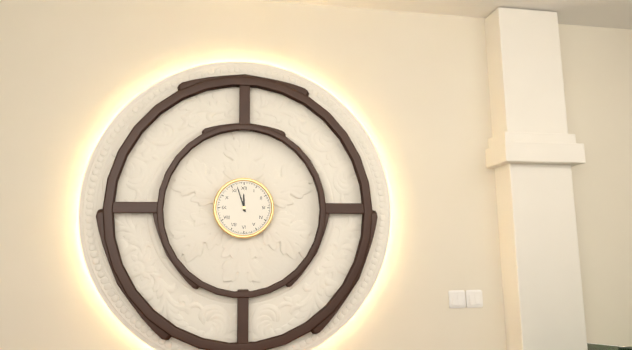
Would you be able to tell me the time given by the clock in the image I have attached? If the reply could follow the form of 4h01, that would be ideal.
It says 11h57
